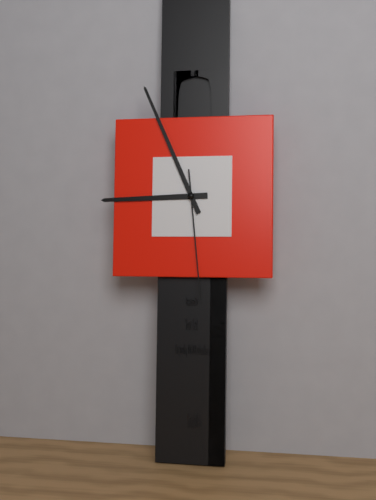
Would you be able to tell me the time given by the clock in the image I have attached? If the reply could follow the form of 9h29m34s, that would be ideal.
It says 8h56m29s
